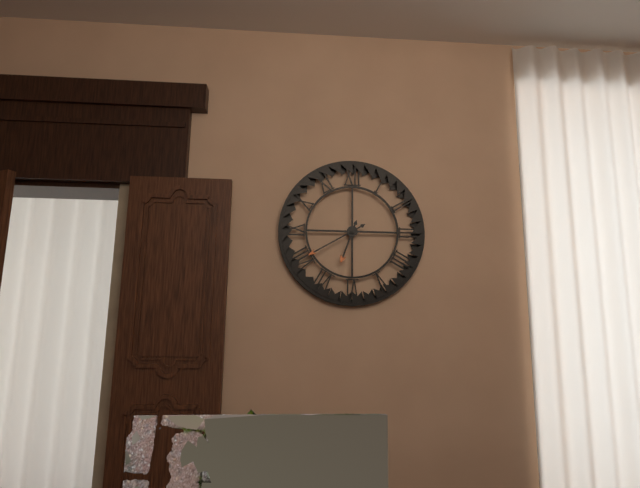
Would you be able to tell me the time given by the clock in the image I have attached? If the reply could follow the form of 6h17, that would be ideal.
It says 6h40
